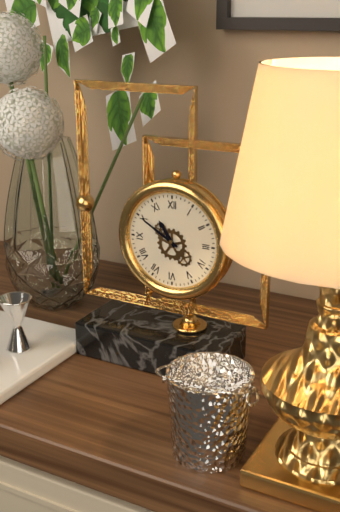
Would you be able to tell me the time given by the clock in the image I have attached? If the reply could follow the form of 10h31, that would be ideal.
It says 10h50
